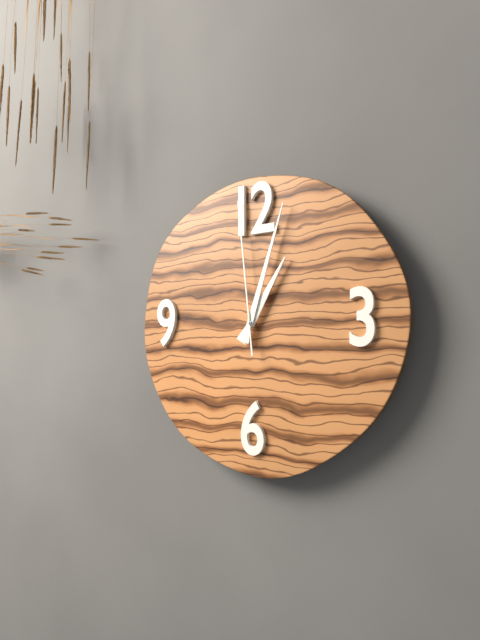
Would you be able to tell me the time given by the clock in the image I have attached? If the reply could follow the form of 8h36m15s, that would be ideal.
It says 1h03m59s
